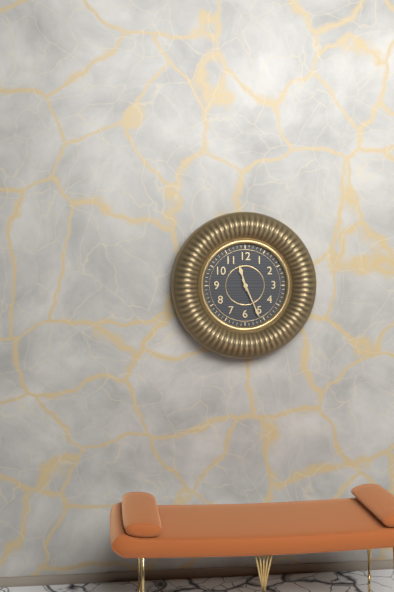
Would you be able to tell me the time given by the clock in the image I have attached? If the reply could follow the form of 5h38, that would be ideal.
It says 11h26
